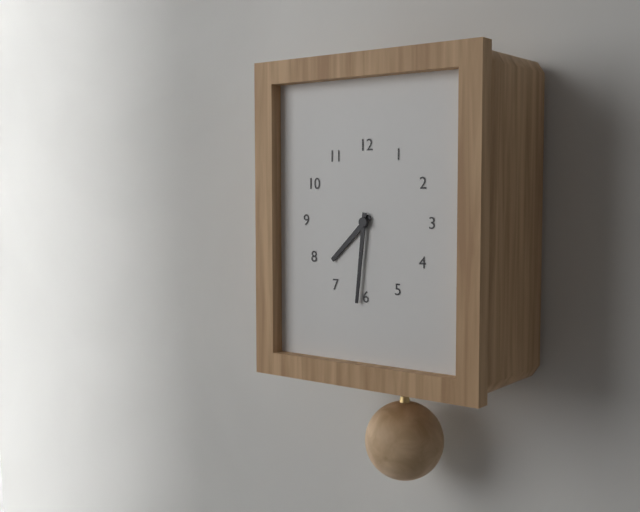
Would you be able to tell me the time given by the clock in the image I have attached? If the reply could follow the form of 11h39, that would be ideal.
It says 7h31
